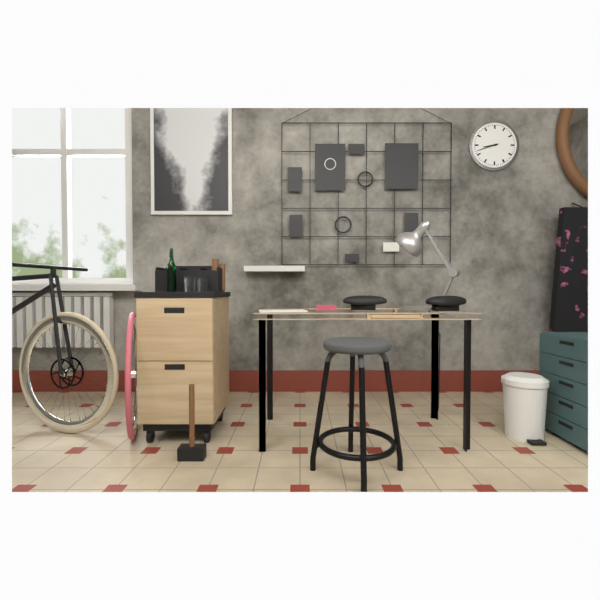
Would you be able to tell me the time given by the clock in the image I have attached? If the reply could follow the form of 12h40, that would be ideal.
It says 8h42
